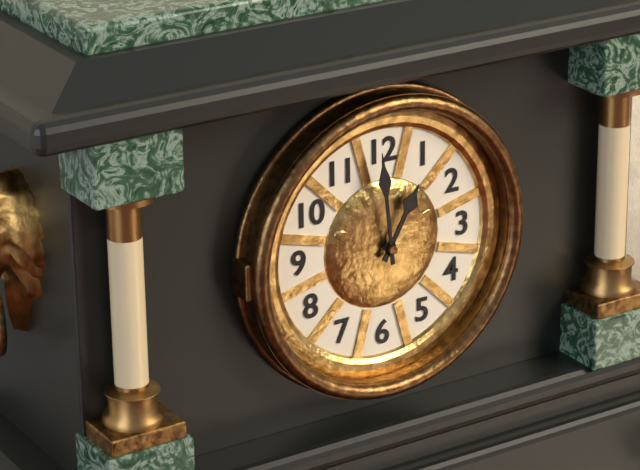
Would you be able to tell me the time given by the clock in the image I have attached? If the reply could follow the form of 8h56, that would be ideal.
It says 12h59
